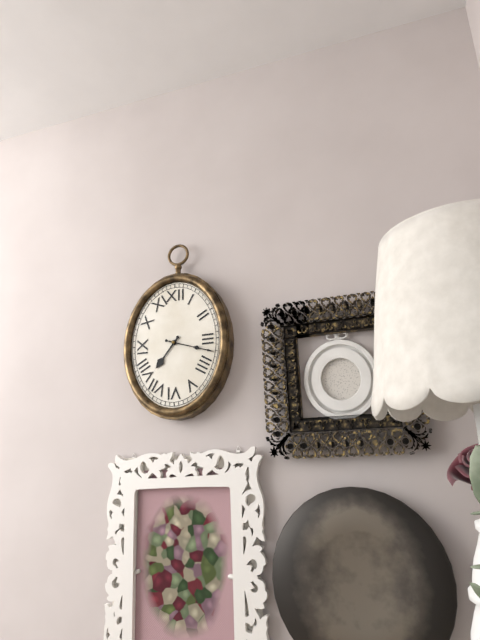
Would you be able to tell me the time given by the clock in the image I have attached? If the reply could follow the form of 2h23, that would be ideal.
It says 7h18
